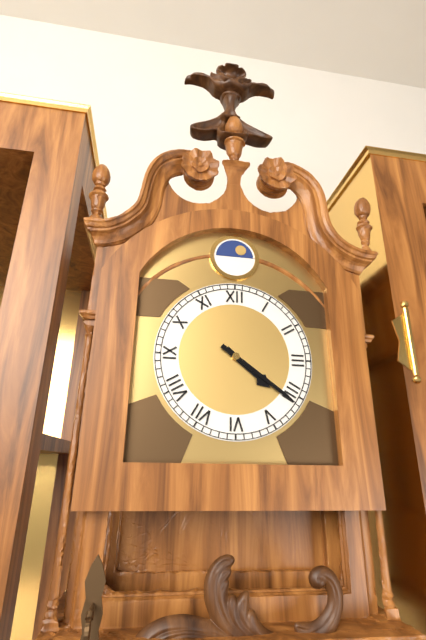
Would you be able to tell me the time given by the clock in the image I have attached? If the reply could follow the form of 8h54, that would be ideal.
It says 4h21
